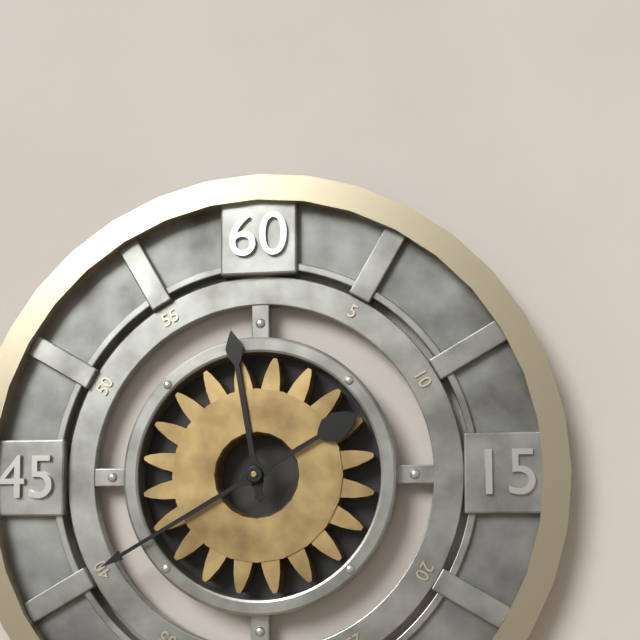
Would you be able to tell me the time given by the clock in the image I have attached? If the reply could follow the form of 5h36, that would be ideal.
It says 11h40
